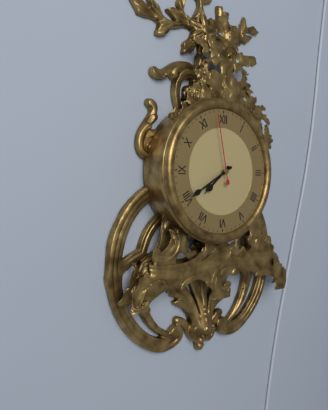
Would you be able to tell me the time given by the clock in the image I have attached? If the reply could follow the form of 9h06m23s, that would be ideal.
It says 7h40m58s
